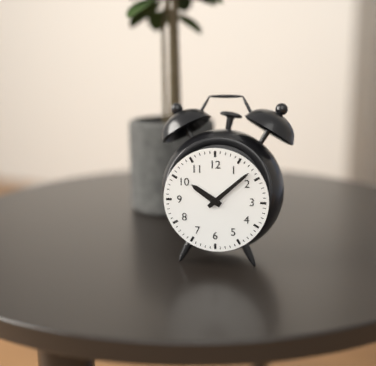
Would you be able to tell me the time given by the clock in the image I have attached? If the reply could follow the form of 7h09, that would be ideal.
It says 10h08
